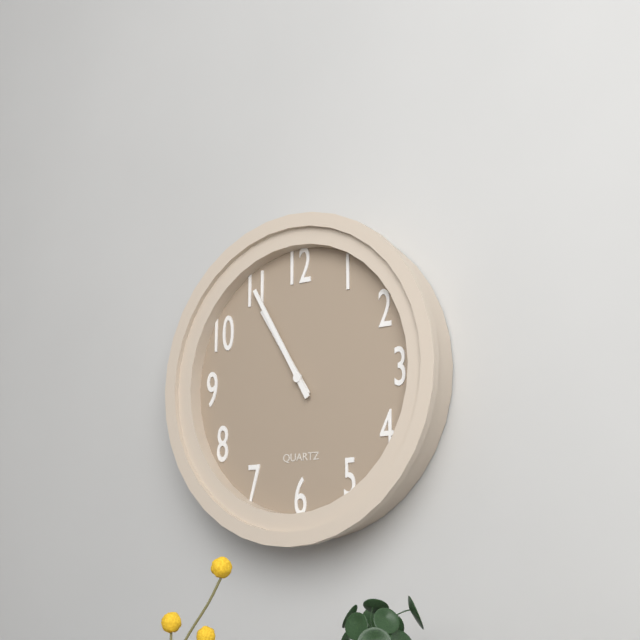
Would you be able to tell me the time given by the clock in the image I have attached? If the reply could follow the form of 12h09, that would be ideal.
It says 10h55
